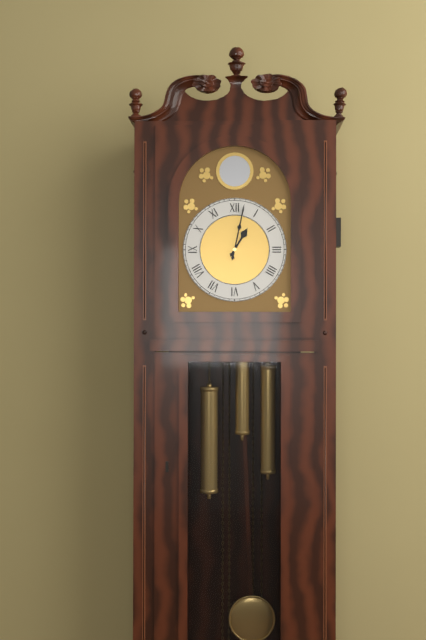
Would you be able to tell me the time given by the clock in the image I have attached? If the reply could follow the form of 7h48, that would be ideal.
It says 1h02
